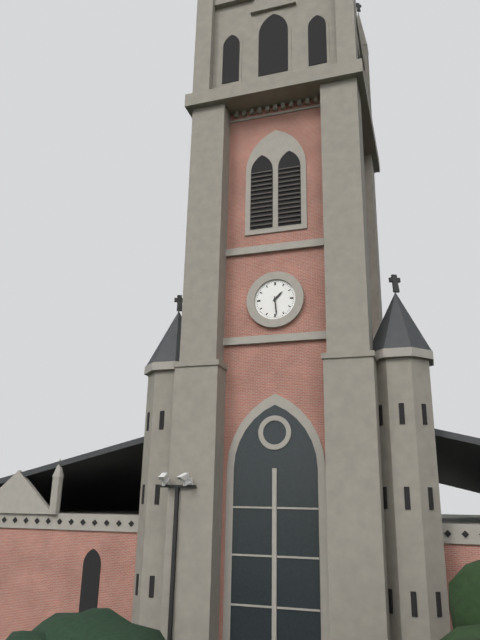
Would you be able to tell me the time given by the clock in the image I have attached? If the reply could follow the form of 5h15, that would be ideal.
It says 1h29
